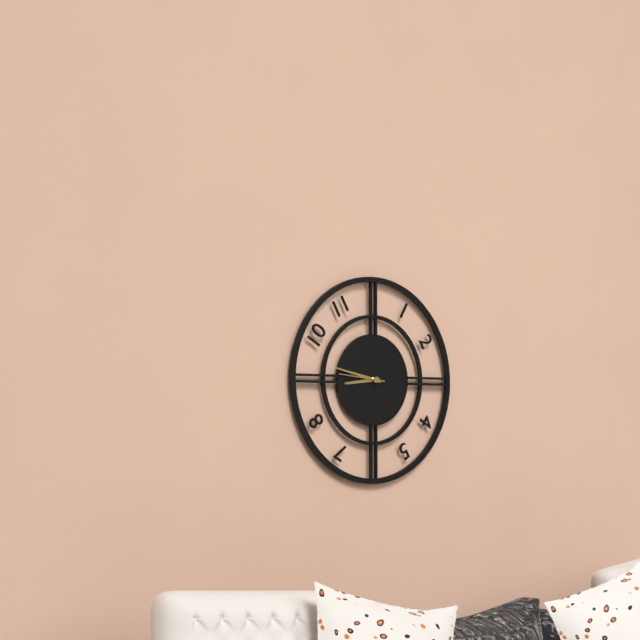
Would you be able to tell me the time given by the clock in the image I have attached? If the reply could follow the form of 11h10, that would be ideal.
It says 8h47
